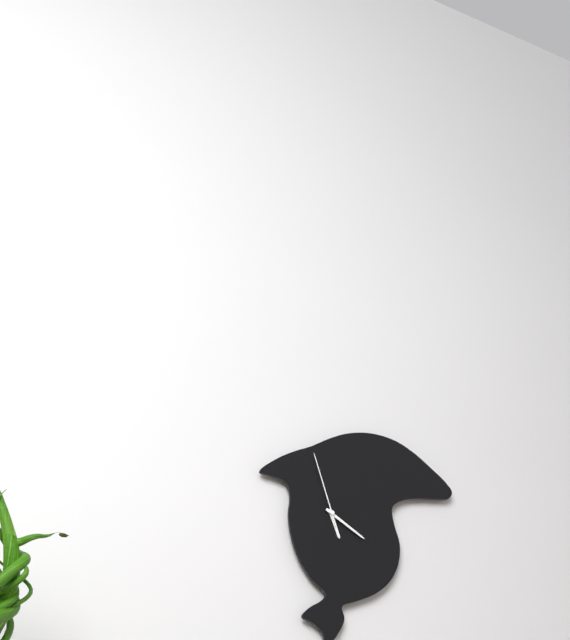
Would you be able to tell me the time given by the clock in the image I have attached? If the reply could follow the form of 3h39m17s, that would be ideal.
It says 5h20m57s
